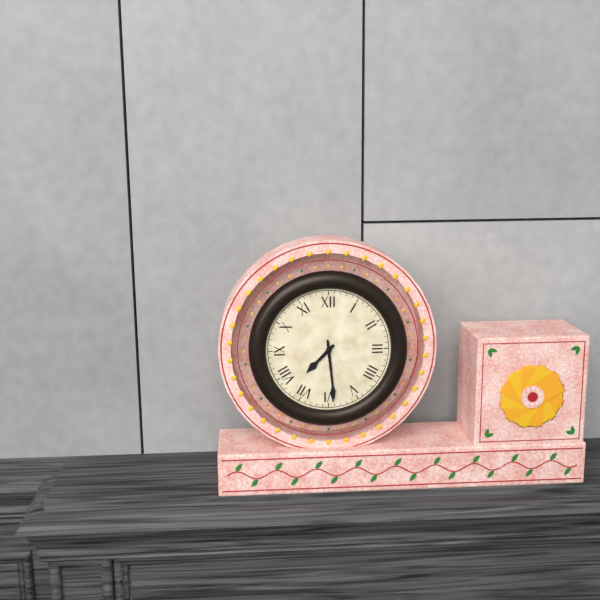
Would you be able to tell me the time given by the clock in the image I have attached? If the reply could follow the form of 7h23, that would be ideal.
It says 7h29
